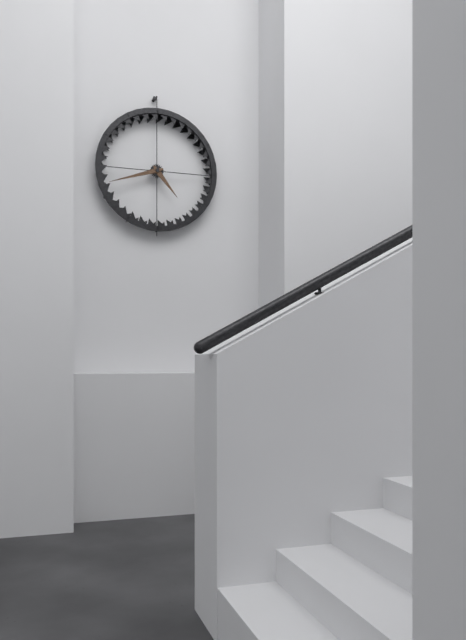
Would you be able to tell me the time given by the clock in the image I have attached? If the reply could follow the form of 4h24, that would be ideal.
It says 4h42
